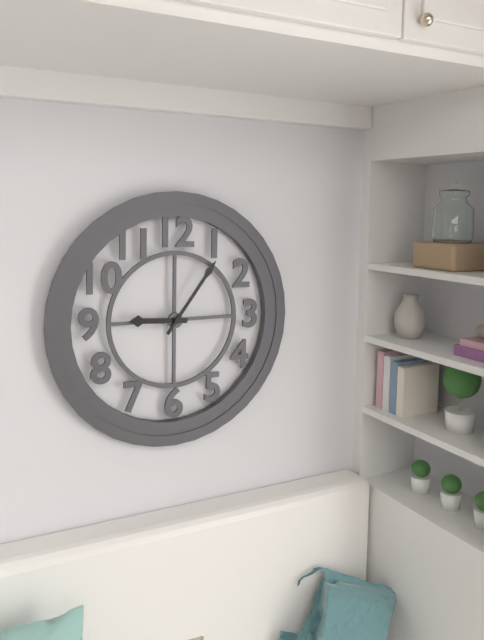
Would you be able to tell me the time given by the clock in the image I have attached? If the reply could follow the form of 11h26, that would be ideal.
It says 9h06
